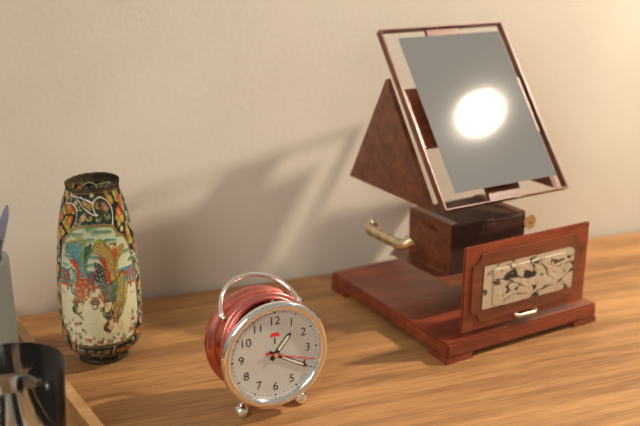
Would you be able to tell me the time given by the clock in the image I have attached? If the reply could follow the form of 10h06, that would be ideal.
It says 1h20
